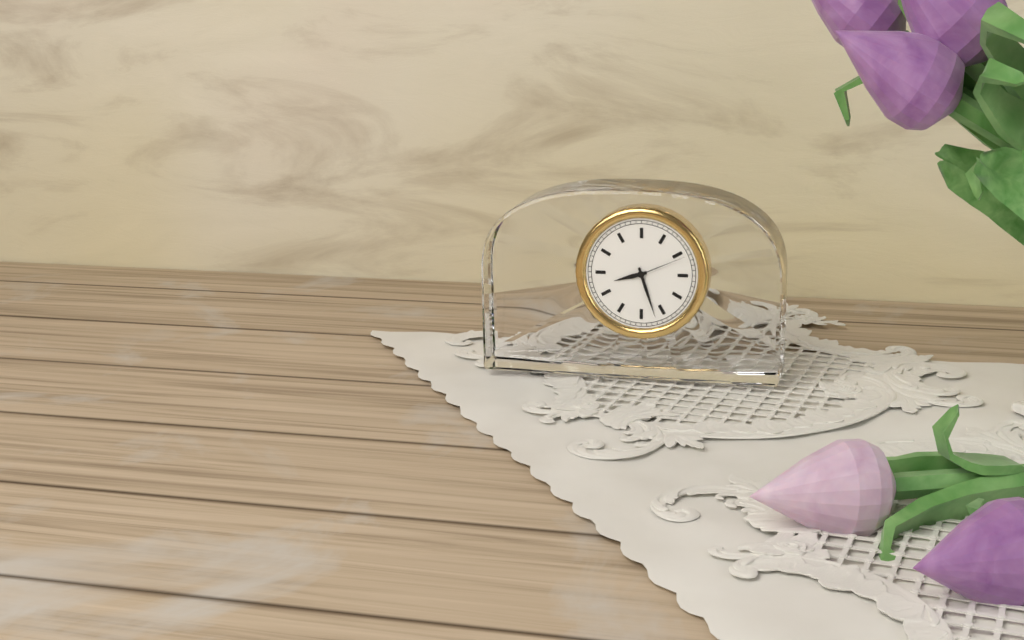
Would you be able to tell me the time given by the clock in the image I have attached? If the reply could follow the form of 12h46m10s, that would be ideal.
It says 8h27m11s
